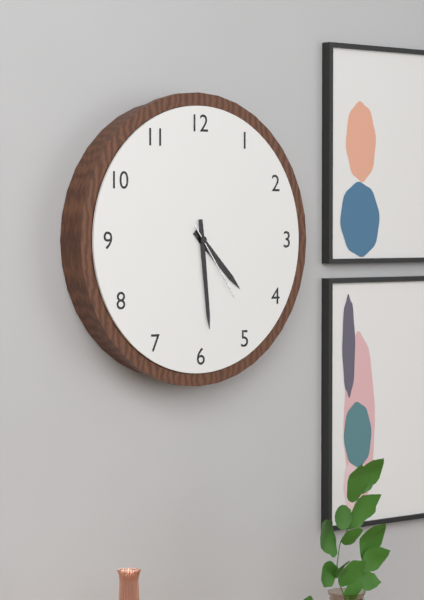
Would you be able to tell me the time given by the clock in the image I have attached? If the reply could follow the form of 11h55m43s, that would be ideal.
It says 4h29m24s
